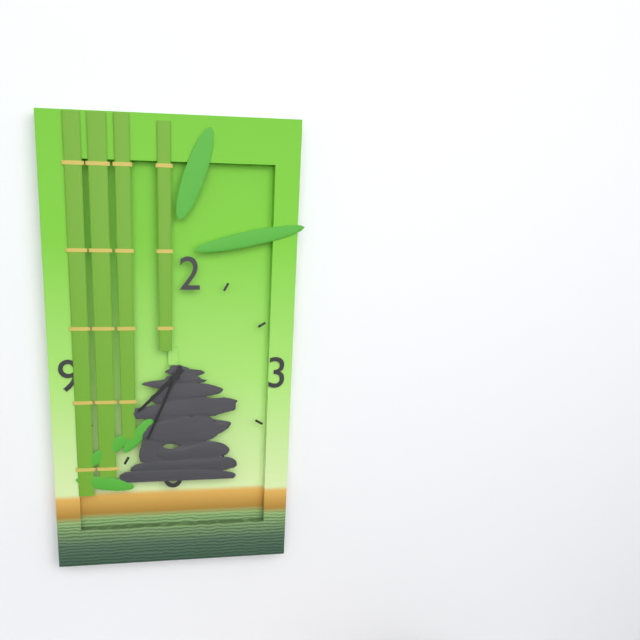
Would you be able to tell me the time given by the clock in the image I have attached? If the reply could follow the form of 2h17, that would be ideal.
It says 7h34
